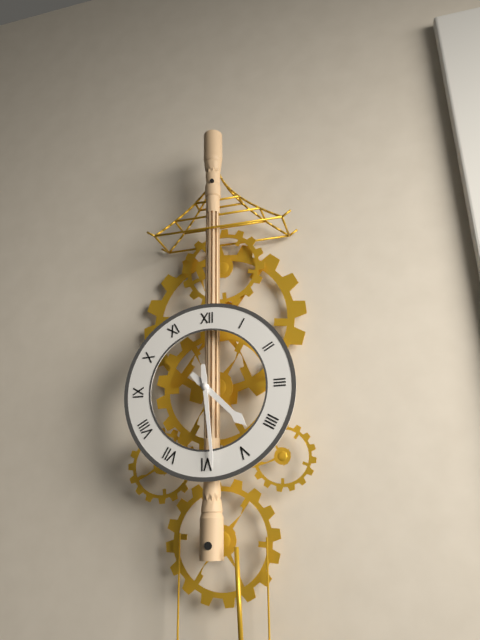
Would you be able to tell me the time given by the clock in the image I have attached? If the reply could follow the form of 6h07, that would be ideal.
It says 4h29
